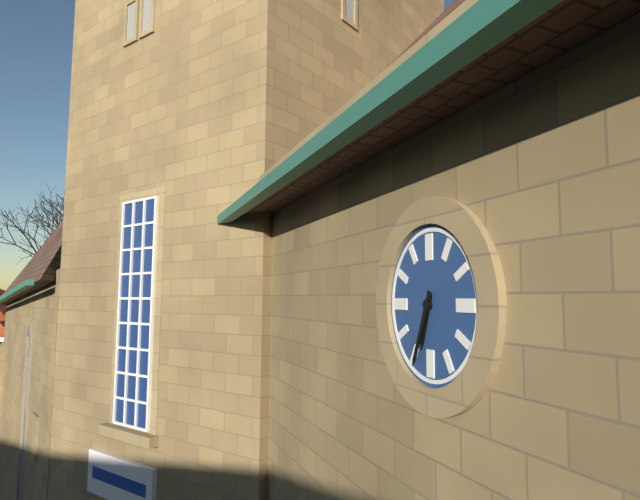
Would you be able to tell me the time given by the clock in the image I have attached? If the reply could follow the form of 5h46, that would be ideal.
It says 6h34
